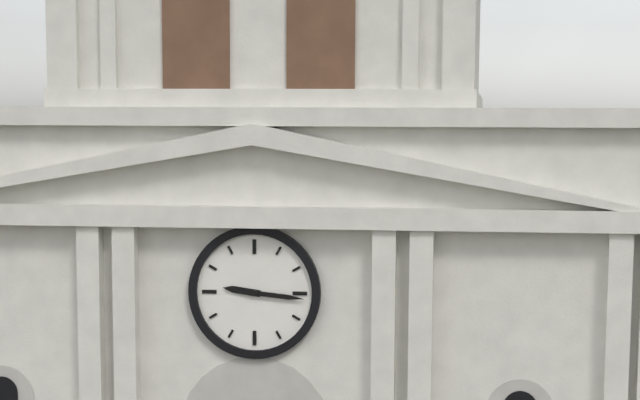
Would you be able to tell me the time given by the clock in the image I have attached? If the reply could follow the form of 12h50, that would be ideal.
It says 9h16
